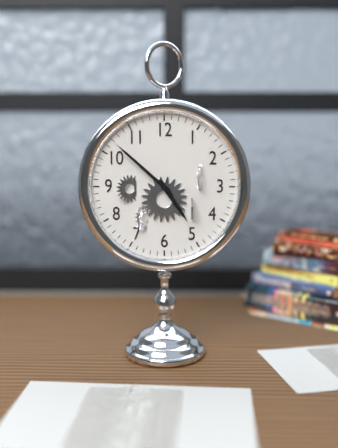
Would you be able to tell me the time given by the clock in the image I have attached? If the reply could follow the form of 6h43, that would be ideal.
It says 4h52
